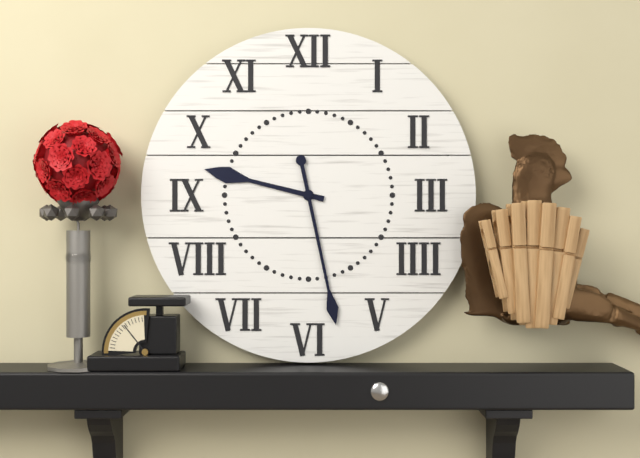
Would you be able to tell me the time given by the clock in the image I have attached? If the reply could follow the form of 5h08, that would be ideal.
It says 9h28
